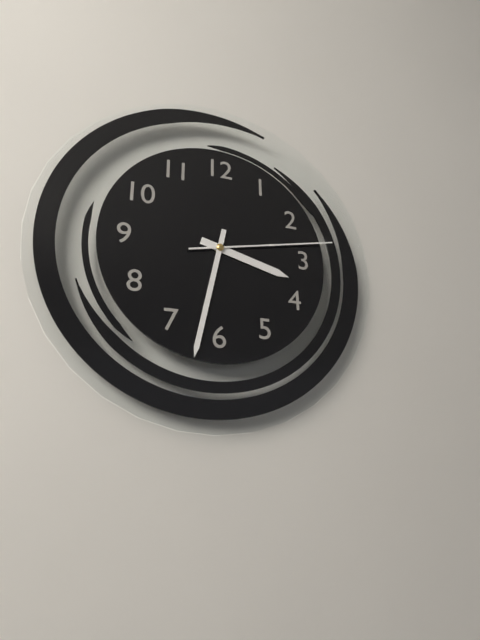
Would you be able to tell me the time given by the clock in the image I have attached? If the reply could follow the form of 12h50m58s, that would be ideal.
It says 3h32m13s
